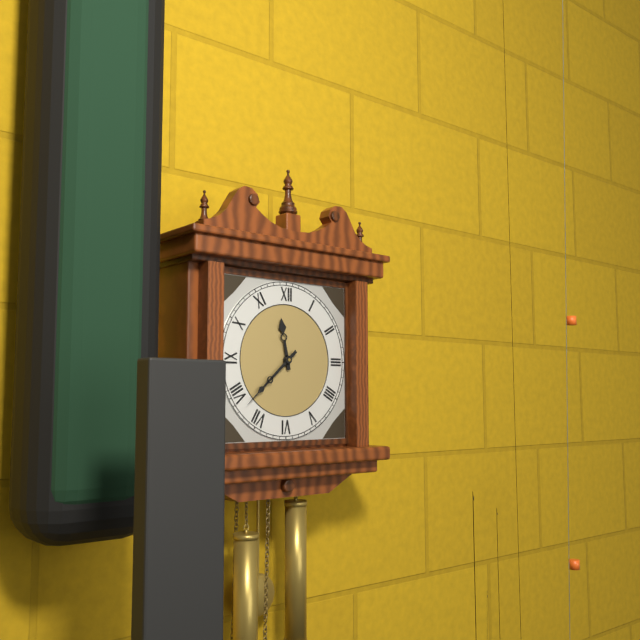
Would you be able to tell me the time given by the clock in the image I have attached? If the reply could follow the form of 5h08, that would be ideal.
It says 11h38
